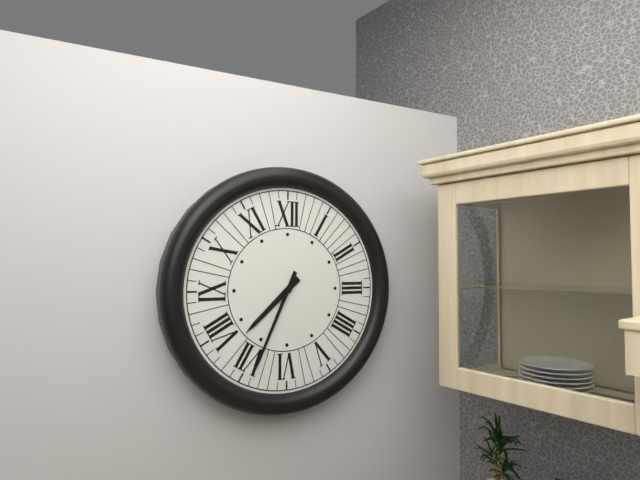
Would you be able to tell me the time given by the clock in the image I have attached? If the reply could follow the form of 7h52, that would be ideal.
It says 7h34
